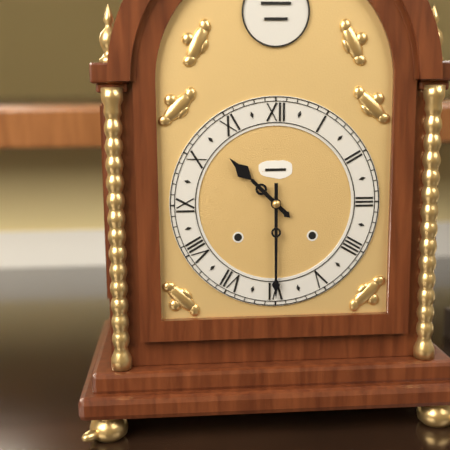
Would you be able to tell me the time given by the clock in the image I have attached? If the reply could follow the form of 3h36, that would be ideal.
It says 10h30
